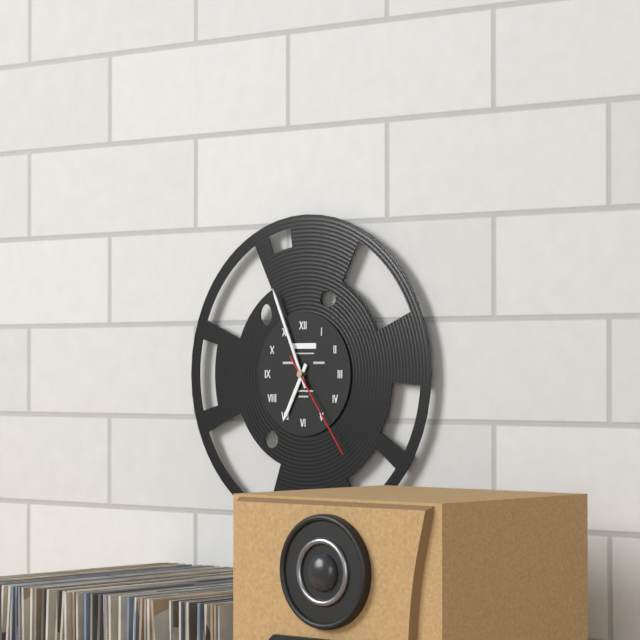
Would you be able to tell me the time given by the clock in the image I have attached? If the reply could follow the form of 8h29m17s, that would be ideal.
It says 6h56m24s
